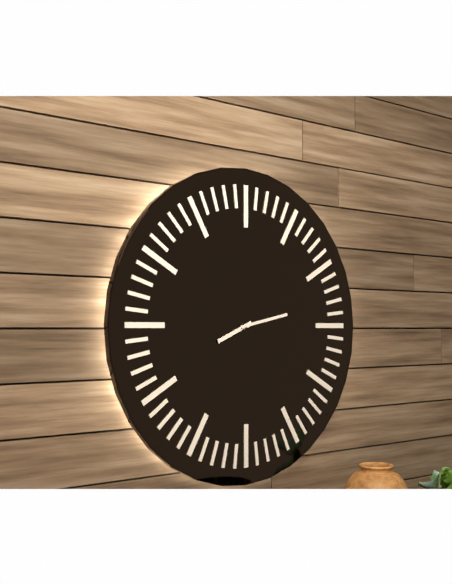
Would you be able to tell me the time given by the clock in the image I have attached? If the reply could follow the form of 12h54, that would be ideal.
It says 8h13
